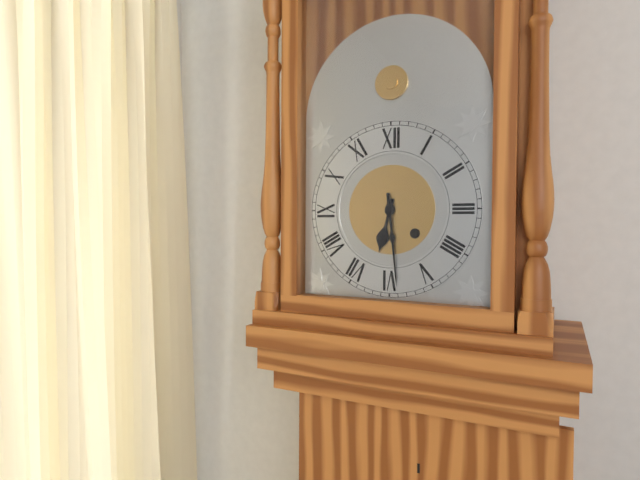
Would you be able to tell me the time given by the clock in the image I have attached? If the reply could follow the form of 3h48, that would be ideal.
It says 6h29
